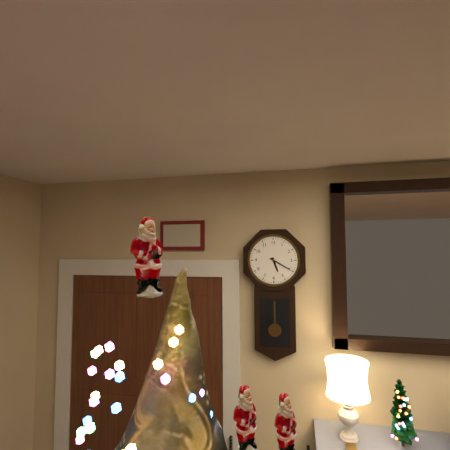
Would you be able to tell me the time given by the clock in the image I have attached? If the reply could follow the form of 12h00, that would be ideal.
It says 5h20
